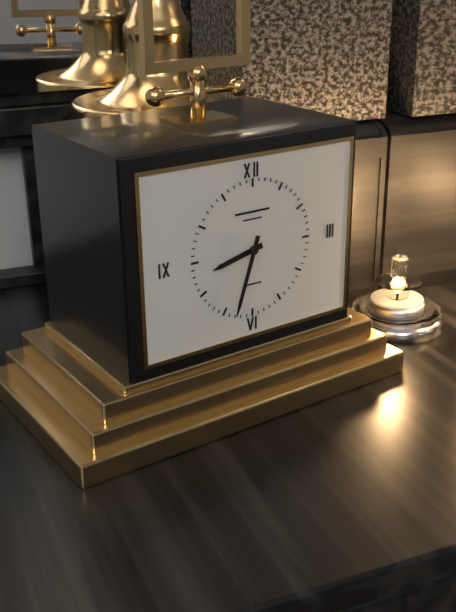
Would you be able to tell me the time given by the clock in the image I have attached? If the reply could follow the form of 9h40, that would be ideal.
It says 8h33
